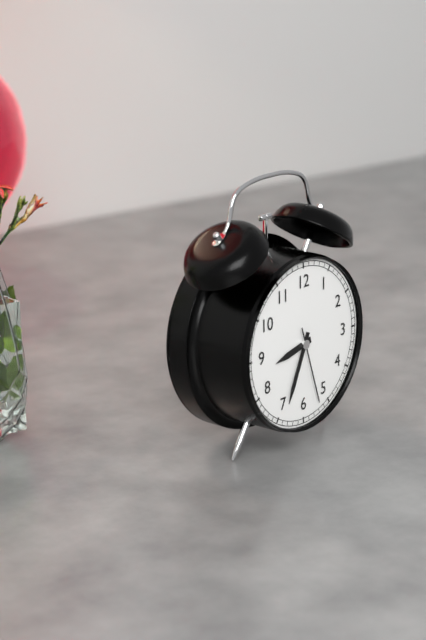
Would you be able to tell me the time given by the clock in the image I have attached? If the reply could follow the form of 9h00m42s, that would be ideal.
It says 8h34m27s
